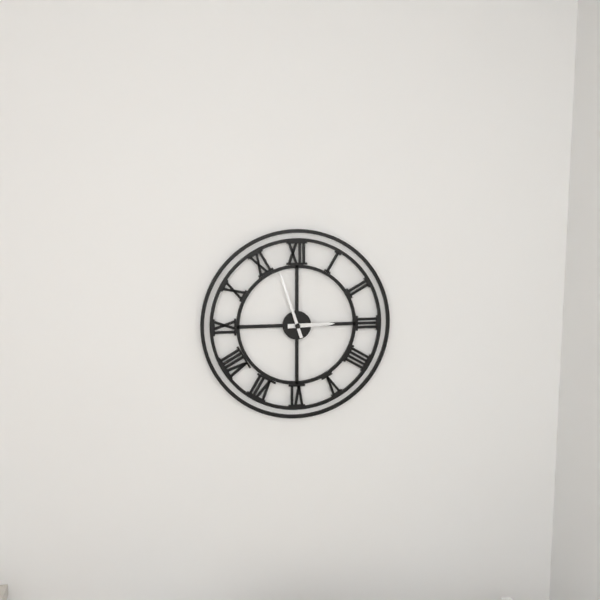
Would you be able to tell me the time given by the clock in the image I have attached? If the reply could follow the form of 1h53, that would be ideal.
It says 2h57
